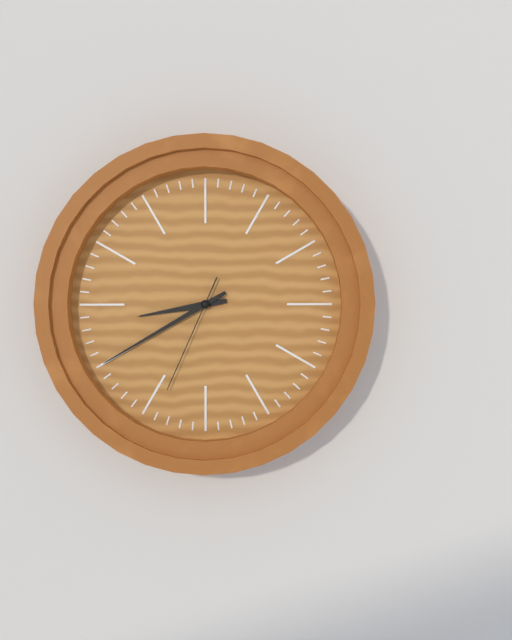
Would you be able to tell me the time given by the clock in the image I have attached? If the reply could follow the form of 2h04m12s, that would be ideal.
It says 8h40m34s
